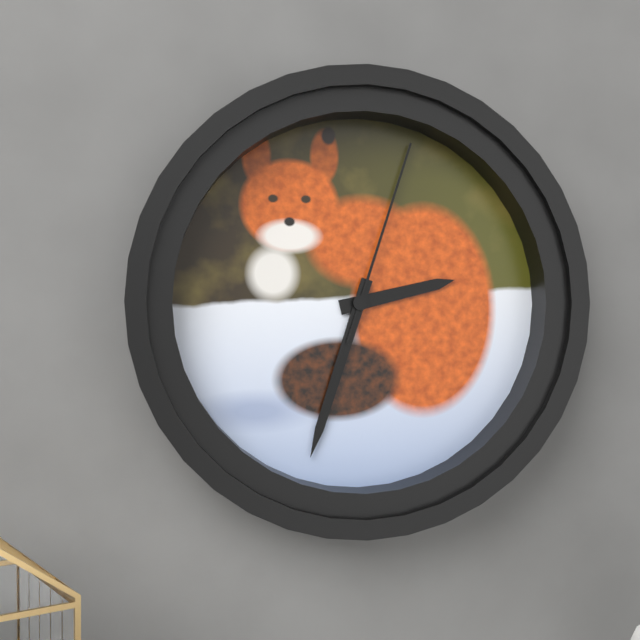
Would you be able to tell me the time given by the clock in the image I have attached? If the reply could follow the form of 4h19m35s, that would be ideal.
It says 2h33m03s
